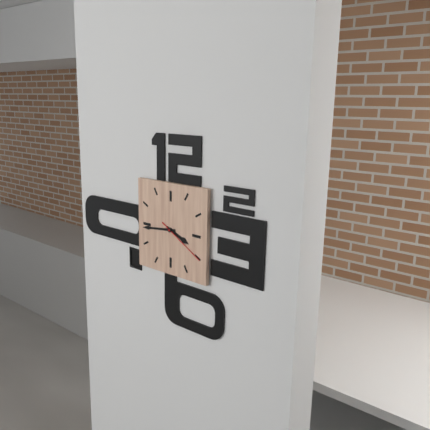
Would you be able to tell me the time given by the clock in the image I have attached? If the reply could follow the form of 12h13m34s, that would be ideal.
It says 3h44m20s
